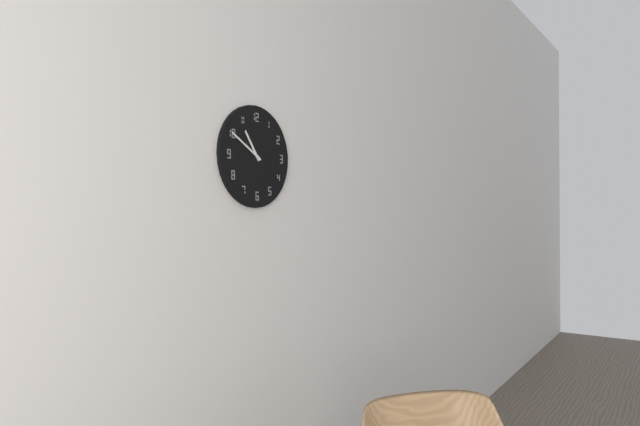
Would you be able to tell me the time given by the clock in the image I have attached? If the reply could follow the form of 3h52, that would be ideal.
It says 10h50
